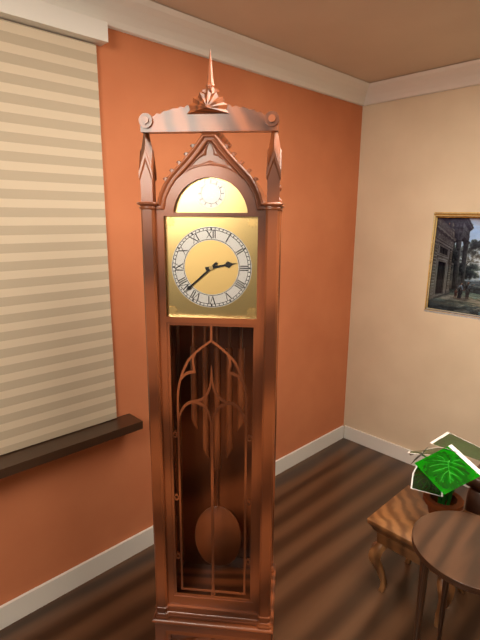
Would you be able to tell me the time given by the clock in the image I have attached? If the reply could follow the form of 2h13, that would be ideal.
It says 2h38
